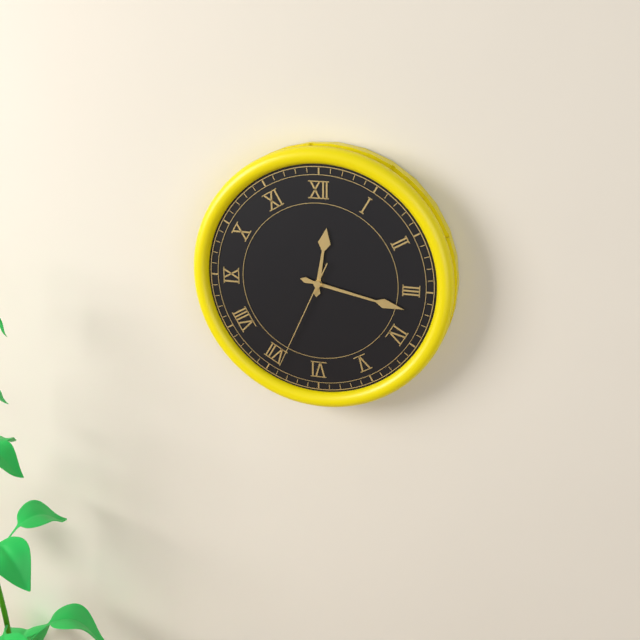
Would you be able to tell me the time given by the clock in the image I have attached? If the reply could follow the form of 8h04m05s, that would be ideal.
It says 12h17m34s
